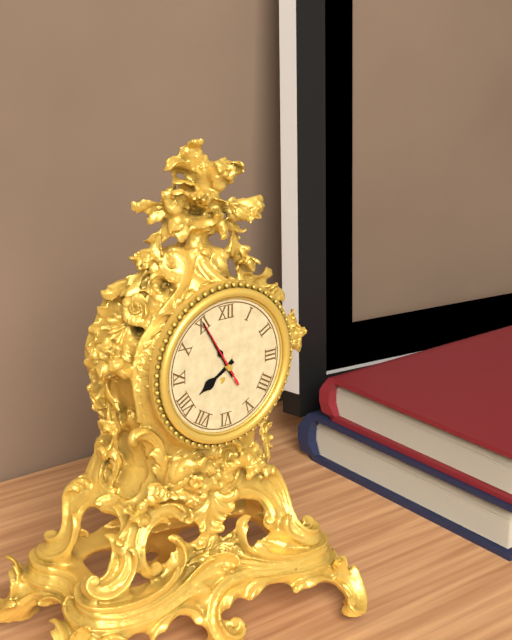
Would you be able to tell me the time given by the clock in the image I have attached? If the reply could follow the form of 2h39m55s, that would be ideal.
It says 7h55m55s
